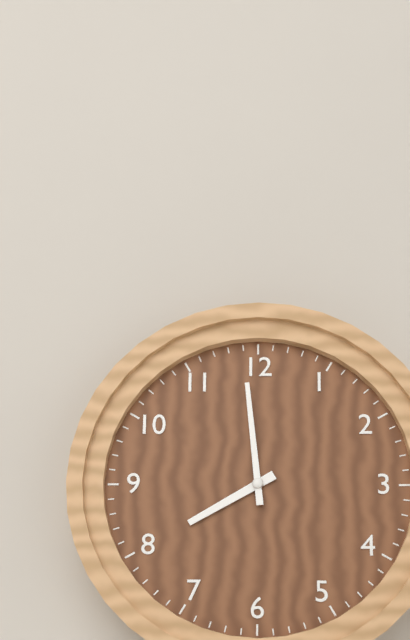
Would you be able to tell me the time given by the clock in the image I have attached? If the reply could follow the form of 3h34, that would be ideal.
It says 7h59
